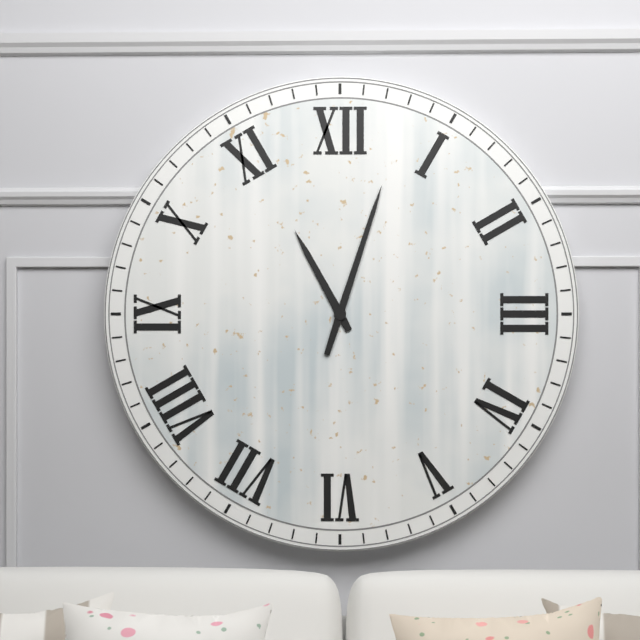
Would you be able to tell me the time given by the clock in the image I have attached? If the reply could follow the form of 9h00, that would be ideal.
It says 11h03
